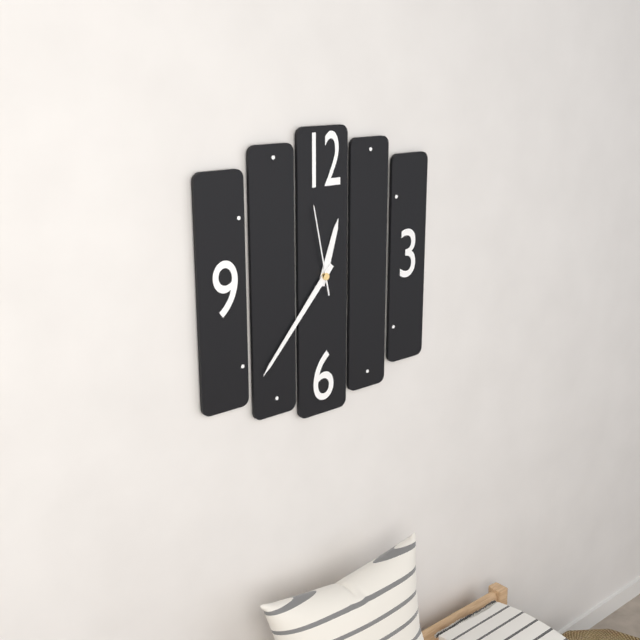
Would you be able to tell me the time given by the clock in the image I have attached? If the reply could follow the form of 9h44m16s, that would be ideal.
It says 12h37m58s
